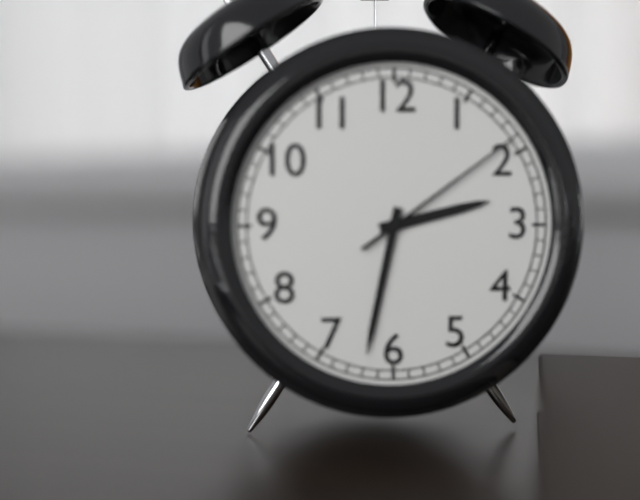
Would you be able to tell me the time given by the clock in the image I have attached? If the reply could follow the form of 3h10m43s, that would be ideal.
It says 2h32m09s
